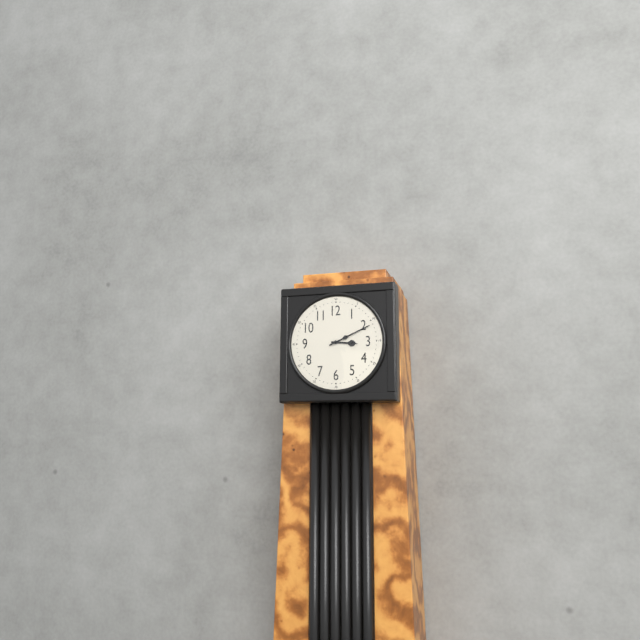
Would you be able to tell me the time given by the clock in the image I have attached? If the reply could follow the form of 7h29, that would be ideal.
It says 3h11
